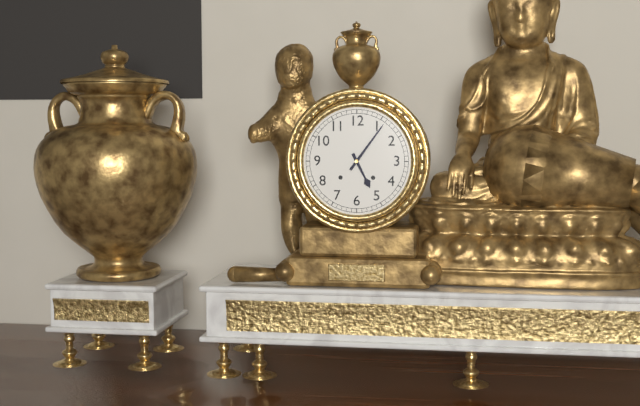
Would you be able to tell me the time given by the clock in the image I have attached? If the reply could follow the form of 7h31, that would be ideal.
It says 5h06
